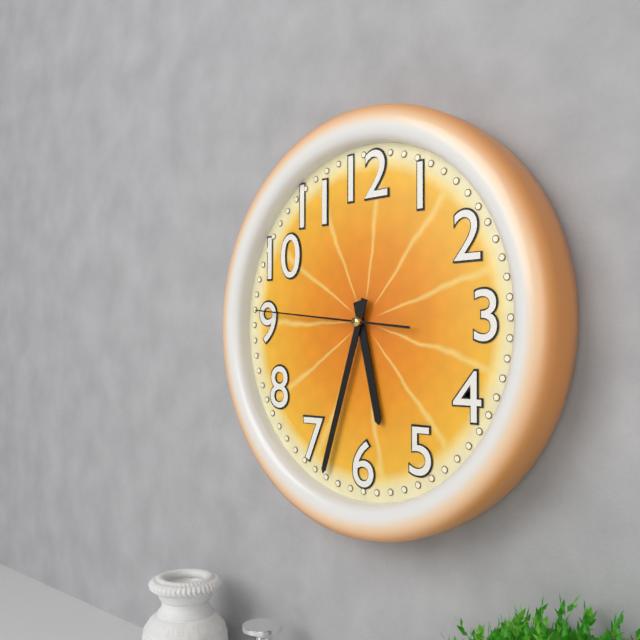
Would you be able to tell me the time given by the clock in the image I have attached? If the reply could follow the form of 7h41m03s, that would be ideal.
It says 5h33m46s
